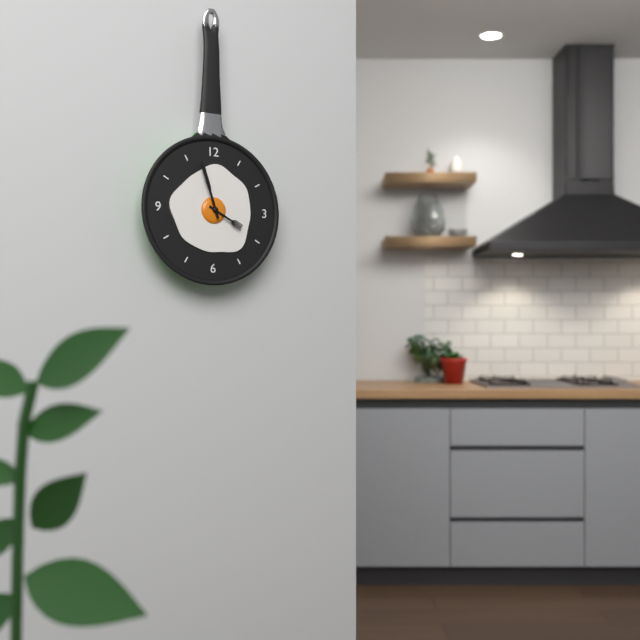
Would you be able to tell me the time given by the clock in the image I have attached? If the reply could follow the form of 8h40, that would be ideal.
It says 3h57
